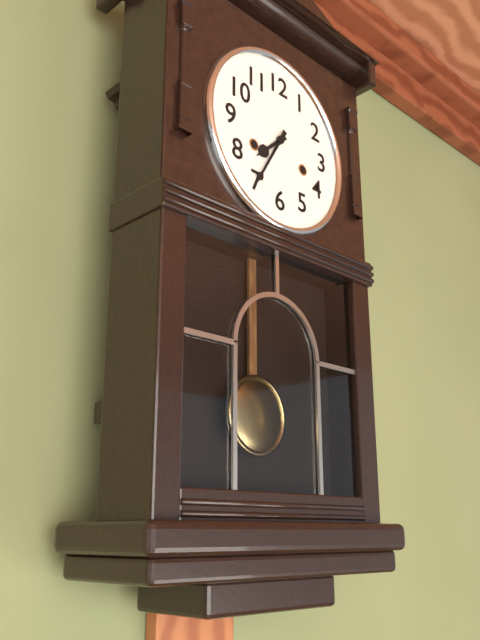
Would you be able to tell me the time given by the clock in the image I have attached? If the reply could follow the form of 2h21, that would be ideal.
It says 7h35
